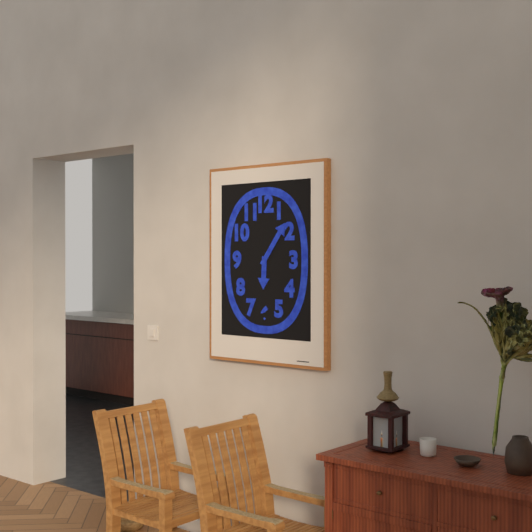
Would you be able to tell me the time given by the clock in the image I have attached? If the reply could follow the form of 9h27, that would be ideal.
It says 6h06
